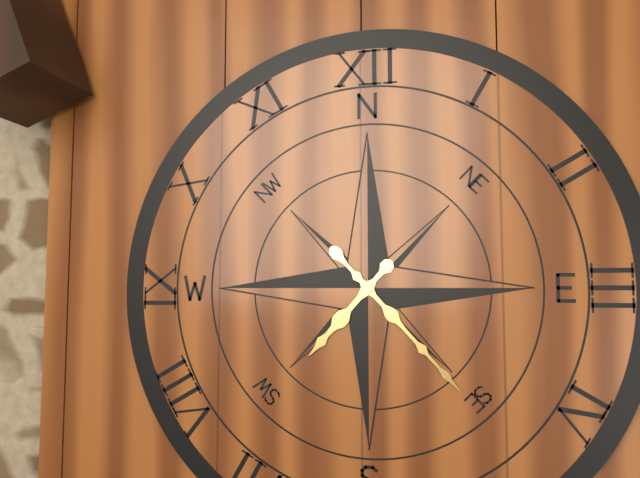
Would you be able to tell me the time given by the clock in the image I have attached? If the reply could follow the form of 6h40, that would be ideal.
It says 7h23
